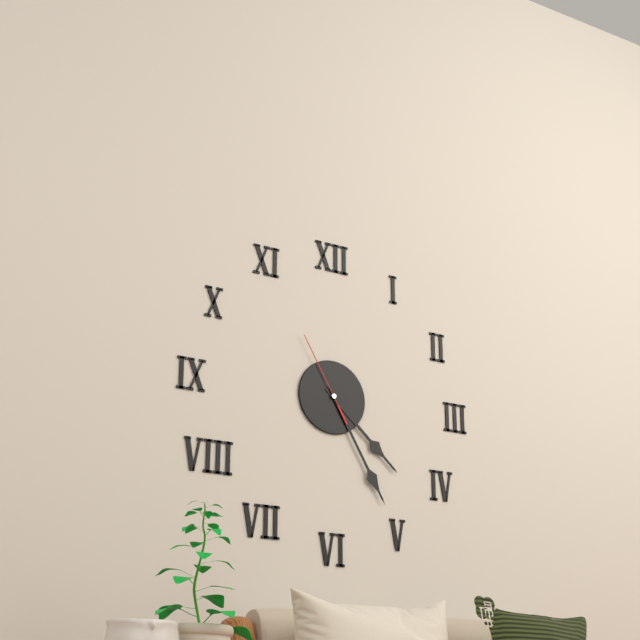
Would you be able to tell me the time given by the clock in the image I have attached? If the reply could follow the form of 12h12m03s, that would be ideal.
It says 4h25m55s
